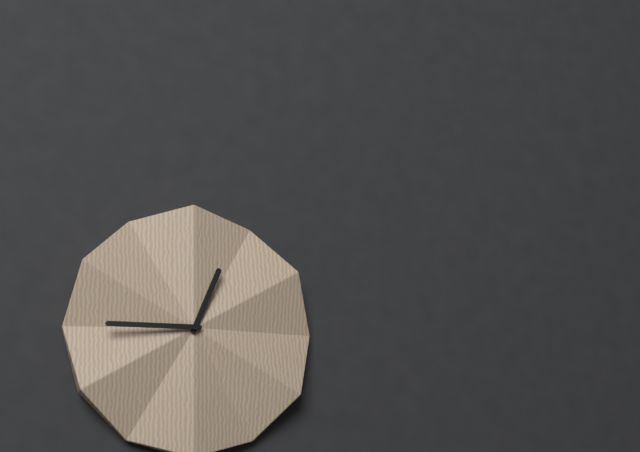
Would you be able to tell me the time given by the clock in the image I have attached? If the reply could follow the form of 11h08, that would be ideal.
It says 12h45
